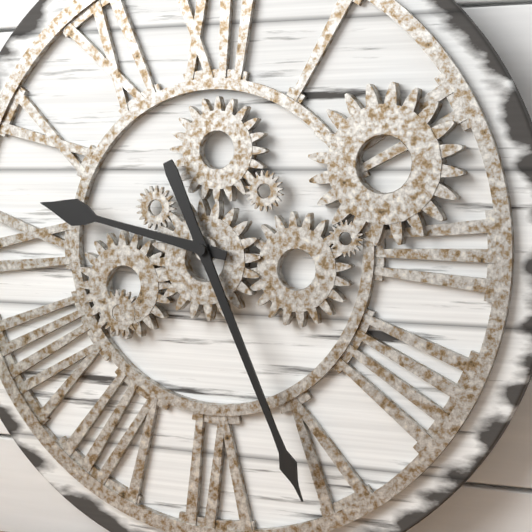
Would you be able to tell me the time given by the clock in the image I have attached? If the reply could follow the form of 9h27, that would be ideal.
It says 9h26
